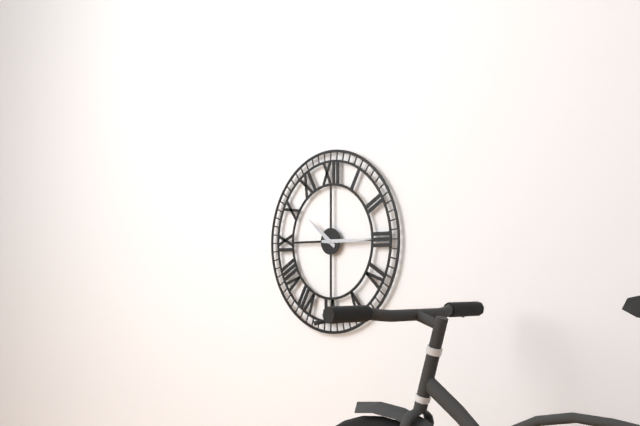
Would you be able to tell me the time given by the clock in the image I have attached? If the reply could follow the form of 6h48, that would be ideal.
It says 10h15
